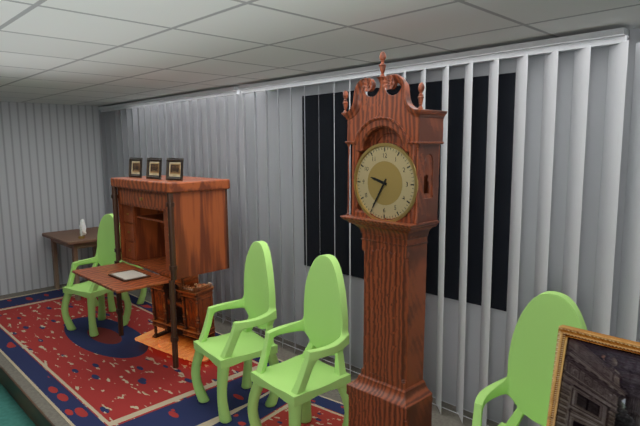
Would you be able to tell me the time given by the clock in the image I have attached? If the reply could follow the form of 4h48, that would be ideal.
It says 9h35
